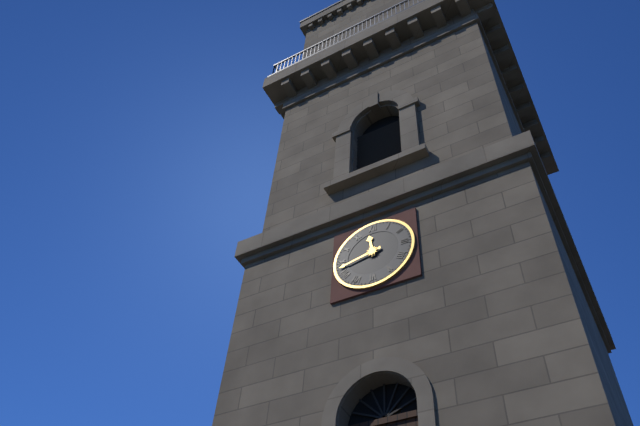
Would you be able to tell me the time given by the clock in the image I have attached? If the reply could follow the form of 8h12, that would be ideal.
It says 11h43
